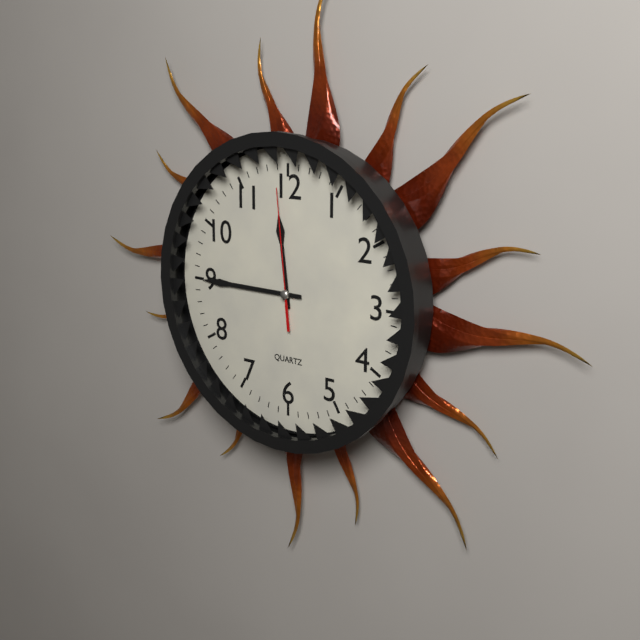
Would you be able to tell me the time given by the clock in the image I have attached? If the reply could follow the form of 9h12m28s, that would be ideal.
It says 11h45m59s
